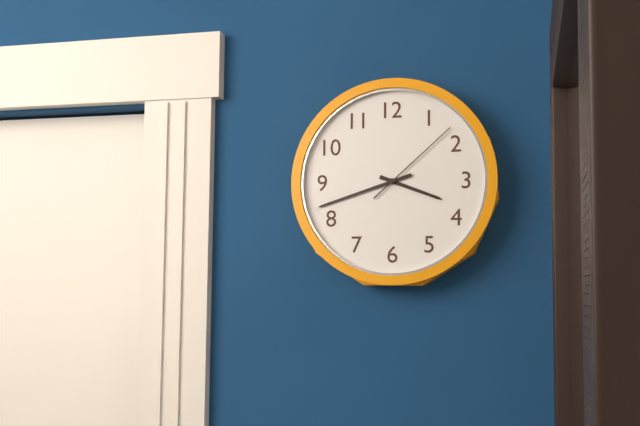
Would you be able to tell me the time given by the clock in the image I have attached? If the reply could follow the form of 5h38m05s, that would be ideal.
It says 3h42m08s
